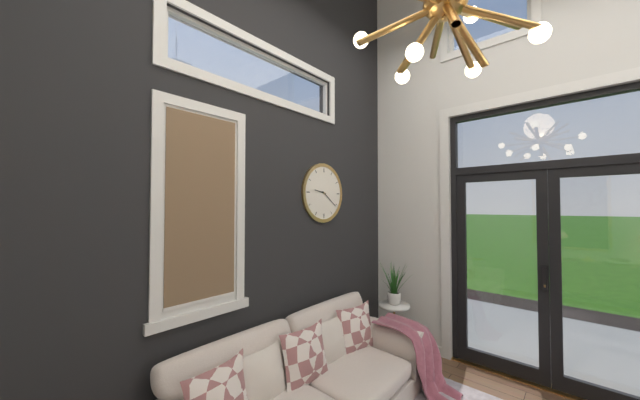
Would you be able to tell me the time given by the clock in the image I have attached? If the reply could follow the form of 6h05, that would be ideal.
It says 9h21
